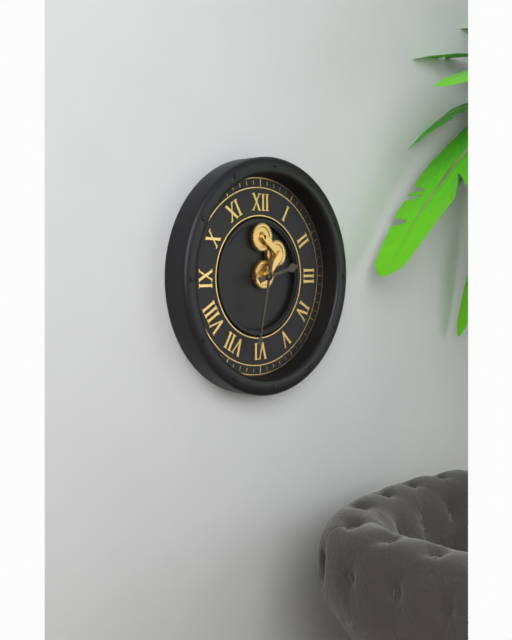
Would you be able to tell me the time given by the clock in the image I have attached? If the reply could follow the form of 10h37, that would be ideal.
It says 2h32
